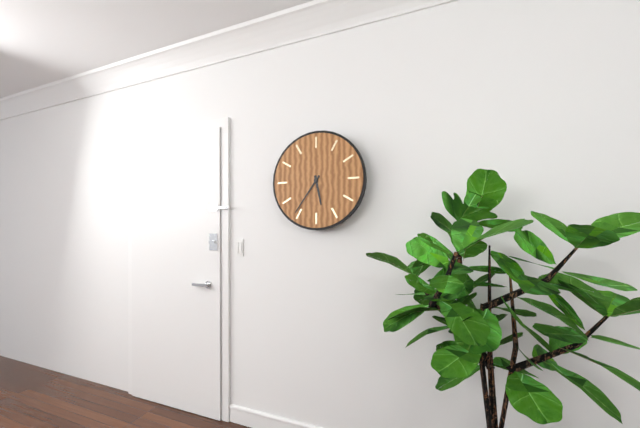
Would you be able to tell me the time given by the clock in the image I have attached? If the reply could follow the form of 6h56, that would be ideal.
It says 5h36
